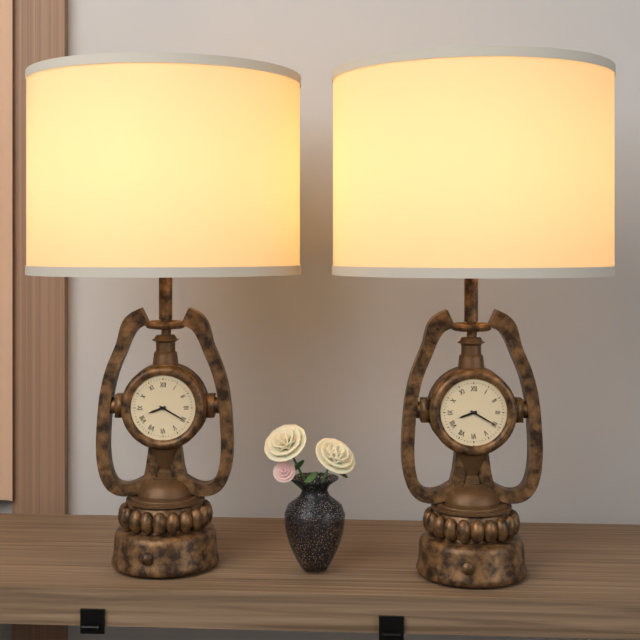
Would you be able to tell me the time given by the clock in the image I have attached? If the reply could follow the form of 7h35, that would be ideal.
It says 8h20
